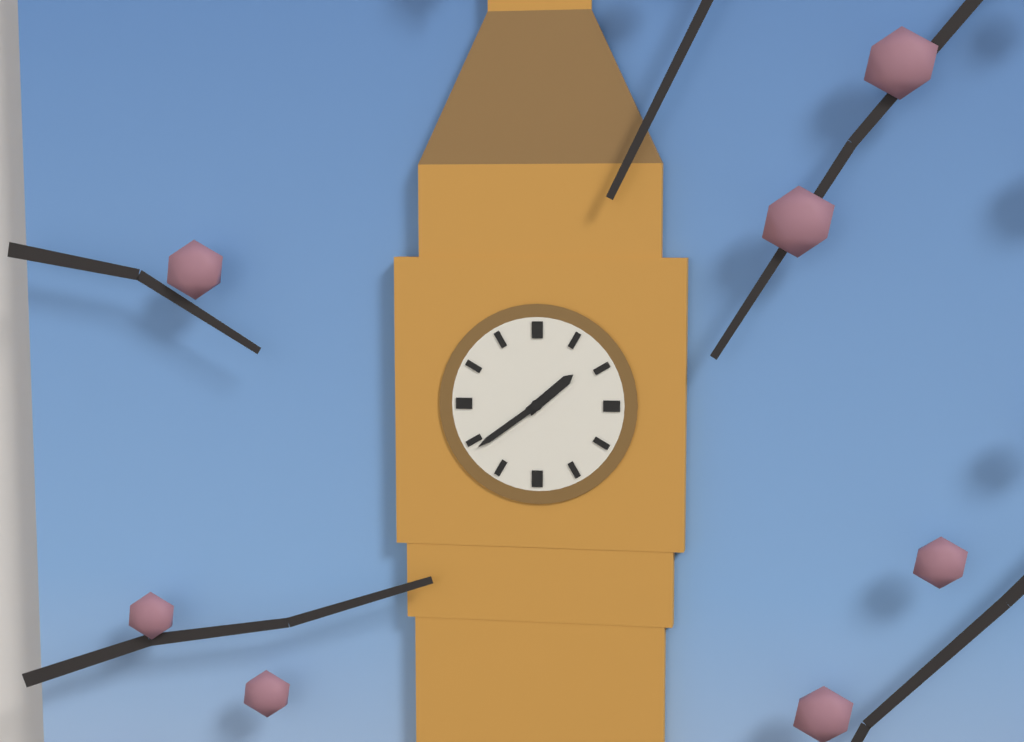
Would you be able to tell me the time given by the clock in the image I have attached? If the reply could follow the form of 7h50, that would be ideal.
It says 1h39
